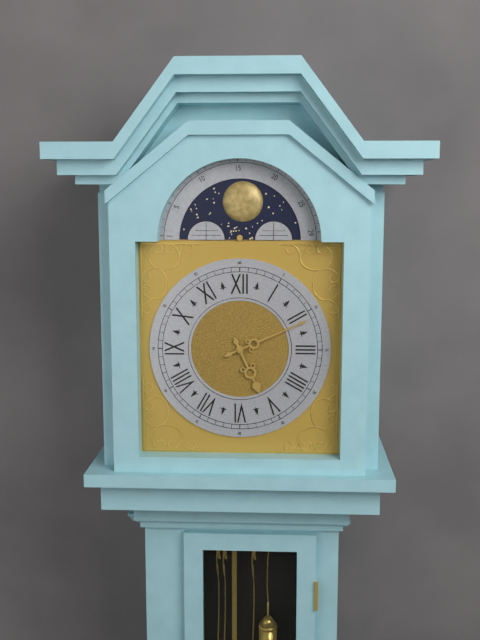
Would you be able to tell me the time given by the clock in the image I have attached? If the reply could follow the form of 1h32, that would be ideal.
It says 5h11
